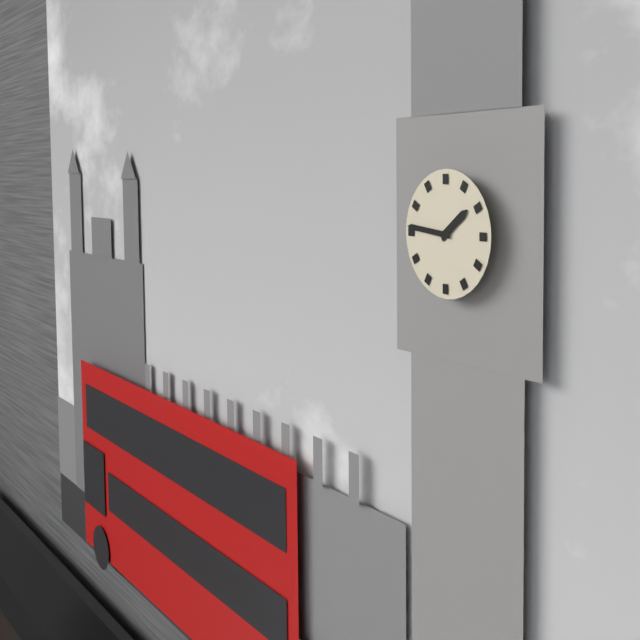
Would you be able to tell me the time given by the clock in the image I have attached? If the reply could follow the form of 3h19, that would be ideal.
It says 1h46
